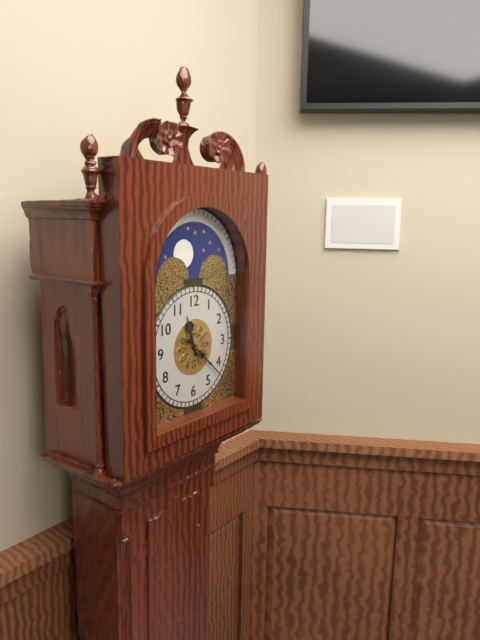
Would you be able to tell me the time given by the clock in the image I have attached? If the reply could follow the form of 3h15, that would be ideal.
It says 11h22
